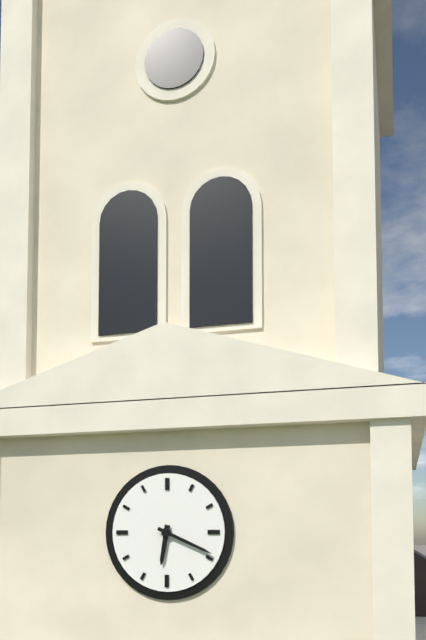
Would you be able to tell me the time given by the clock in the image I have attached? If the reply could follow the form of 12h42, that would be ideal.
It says 6h19
